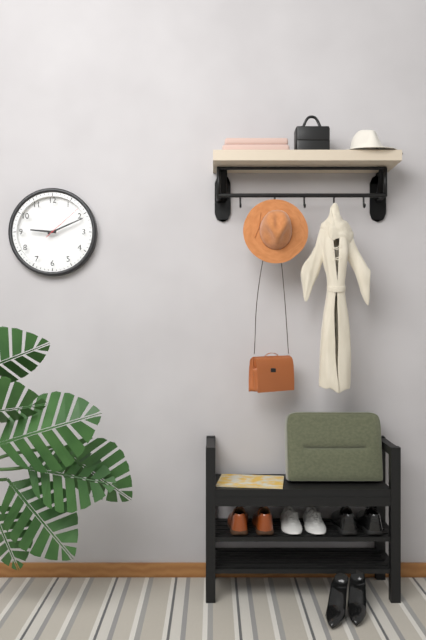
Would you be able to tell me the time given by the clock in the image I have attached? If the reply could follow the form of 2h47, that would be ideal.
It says 9h11
